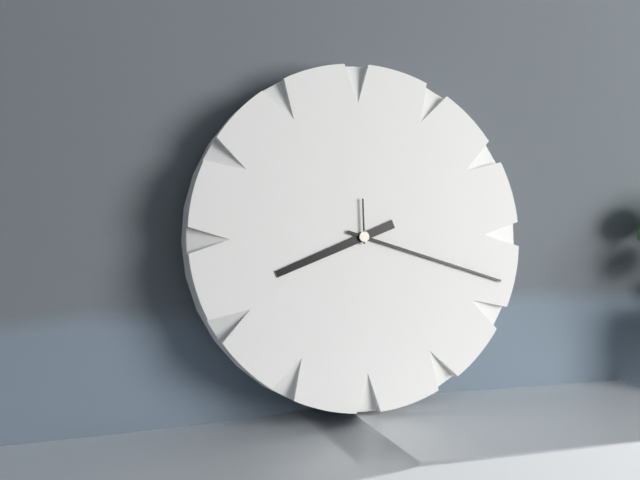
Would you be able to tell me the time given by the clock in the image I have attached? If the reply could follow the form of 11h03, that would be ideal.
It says 8h18
